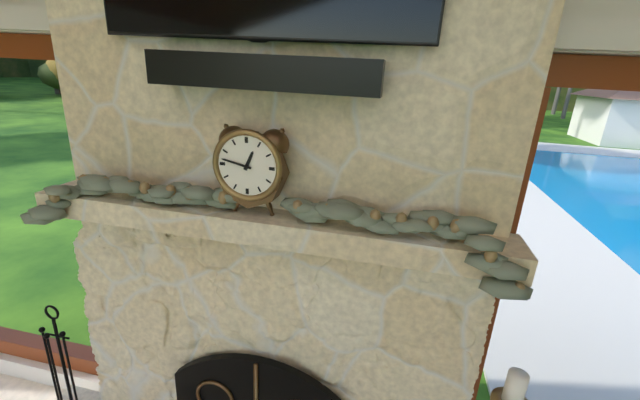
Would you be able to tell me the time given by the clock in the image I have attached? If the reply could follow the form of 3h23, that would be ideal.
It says 12h47
